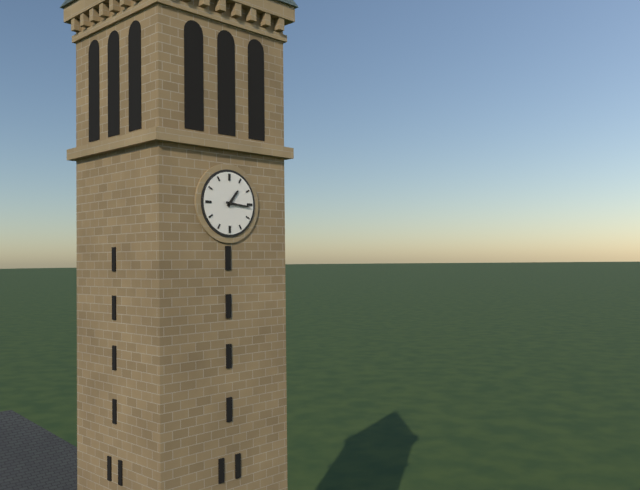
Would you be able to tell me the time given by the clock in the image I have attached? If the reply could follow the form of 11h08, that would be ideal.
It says 1h16
